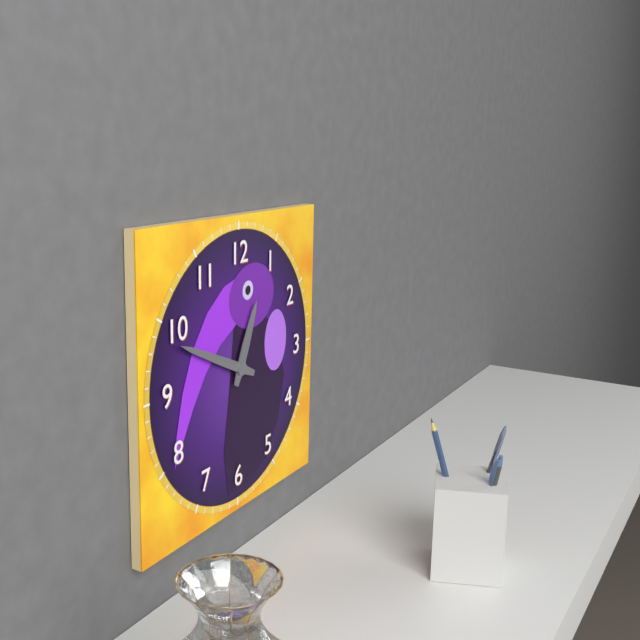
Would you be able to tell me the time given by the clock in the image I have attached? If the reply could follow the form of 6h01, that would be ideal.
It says 12h49
